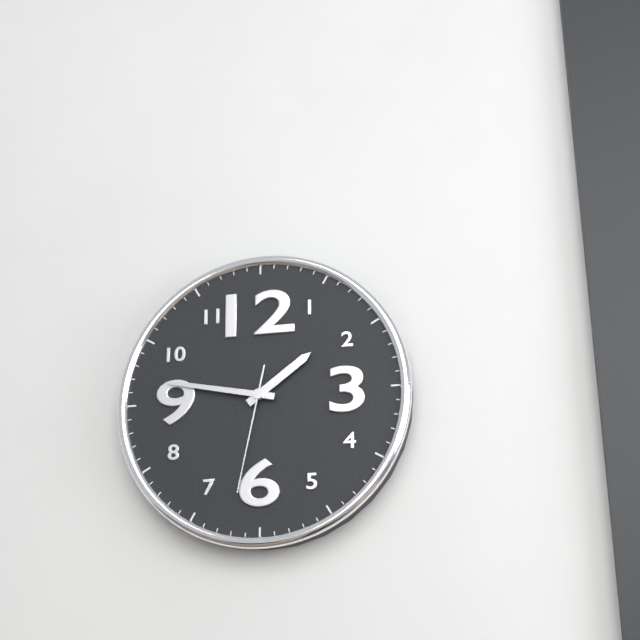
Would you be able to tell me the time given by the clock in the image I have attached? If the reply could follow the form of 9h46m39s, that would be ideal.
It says 1h47m32s
